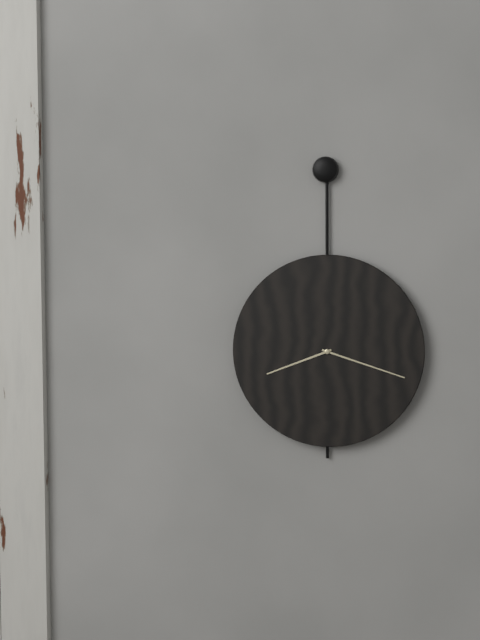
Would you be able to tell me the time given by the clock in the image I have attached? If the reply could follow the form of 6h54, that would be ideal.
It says 8h18
